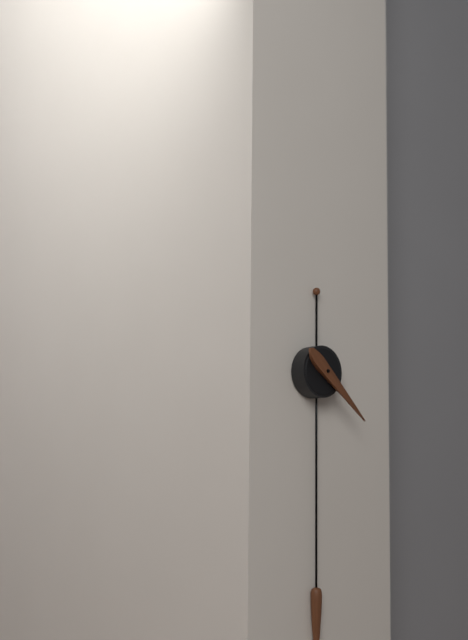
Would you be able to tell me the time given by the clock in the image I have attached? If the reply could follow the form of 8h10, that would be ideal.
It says 4h22
